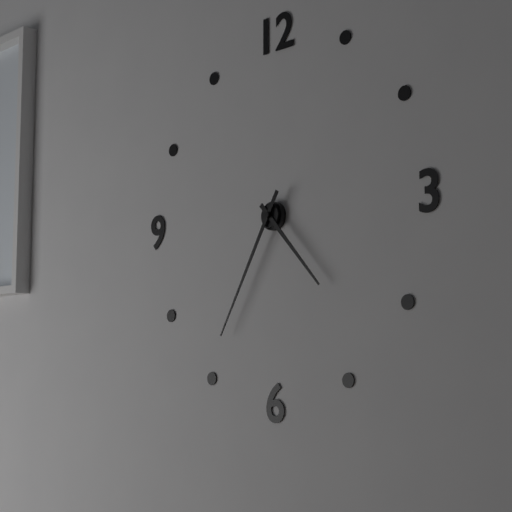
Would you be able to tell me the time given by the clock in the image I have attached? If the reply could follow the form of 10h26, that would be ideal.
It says 4h35
